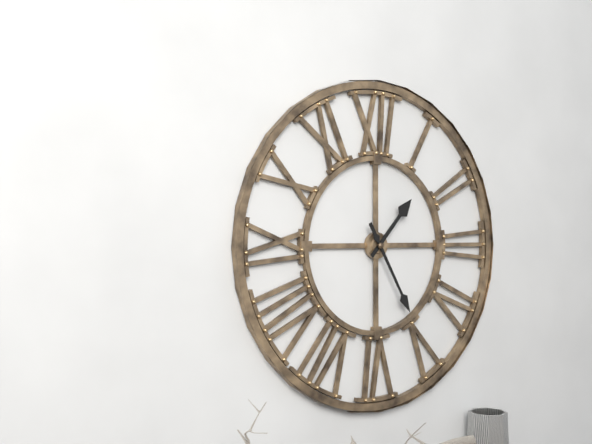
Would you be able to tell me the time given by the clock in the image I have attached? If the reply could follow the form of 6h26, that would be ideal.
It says 1h25
